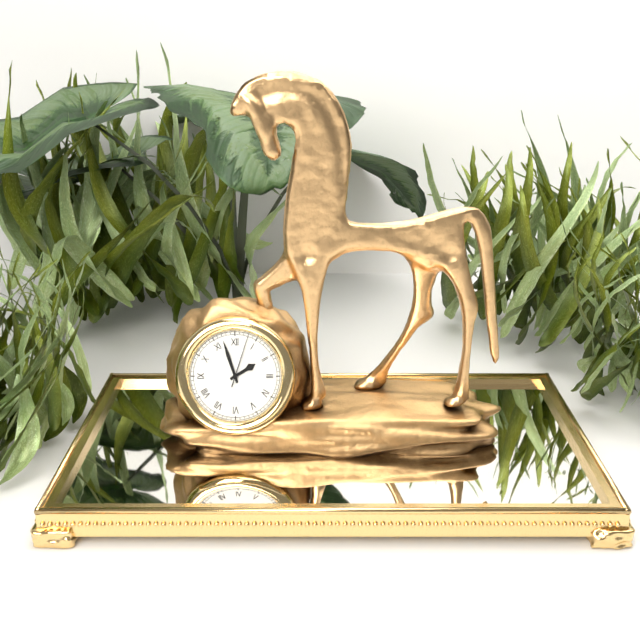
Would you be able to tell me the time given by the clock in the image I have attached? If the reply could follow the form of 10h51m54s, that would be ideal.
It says 1h57m03s
